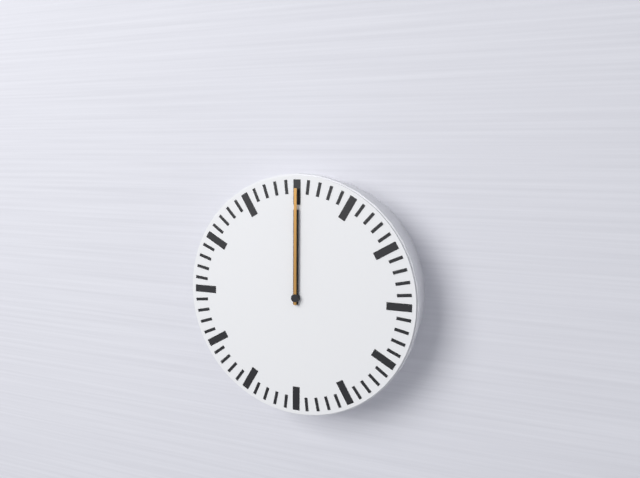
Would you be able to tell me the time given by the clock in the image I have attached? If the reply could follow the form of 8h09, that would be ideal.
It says 12h00
